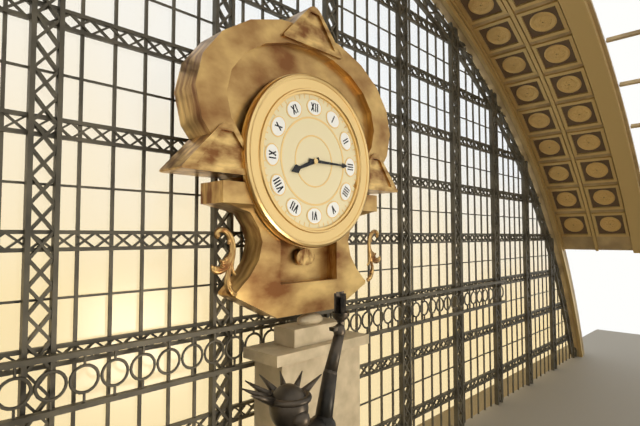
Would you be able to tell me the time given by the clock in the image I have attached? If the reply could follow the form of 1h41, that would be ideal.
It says 8h15
